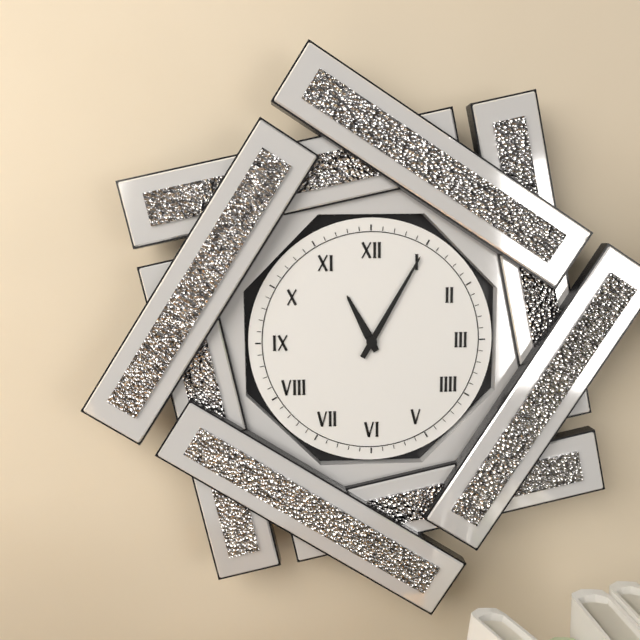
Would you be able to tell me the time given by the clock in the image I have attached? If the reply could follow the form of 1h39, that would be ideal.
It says 11h05
